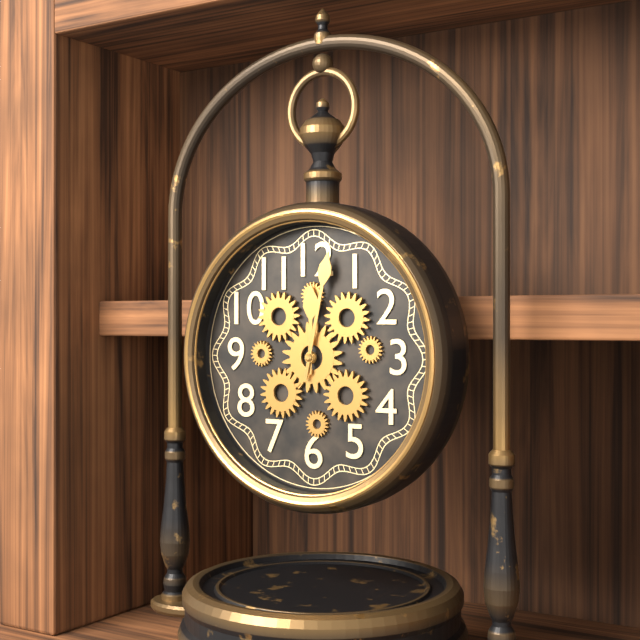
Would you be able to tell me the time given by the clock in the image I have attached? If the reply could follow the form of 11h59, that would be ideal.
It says 12h02
